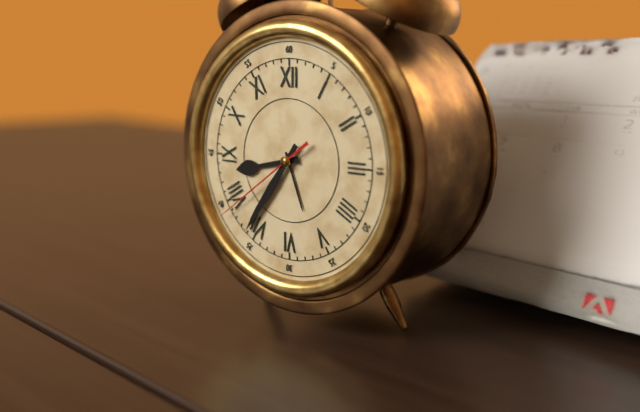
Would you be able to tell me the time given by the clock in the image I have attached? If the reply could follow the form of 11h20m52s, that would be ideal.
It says 8h36m39s
